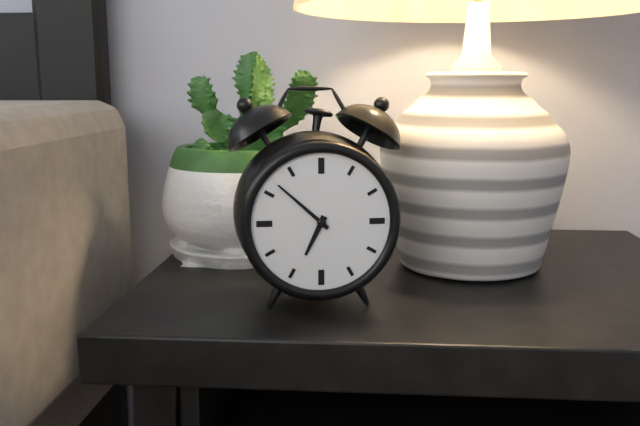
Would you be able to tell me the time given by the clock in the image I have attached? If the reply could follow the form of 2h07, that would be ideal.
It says 6h52
